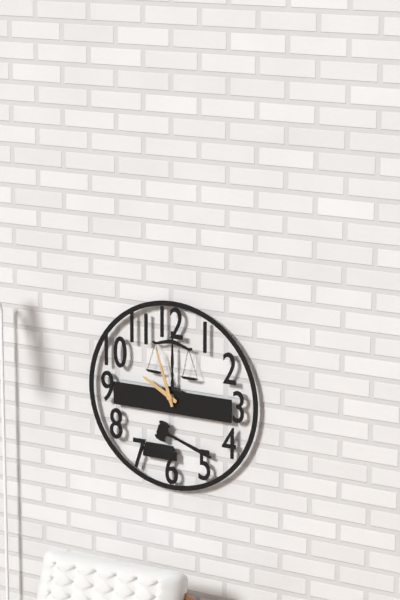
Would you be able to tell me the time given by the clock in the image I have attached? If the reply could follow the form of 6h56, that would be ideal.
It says 9h57
